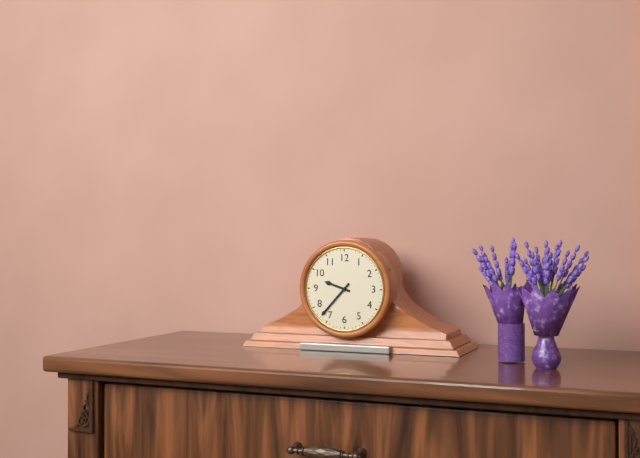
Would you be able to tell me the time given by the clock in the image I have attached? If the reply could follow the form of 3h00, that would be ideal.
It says 9h37
